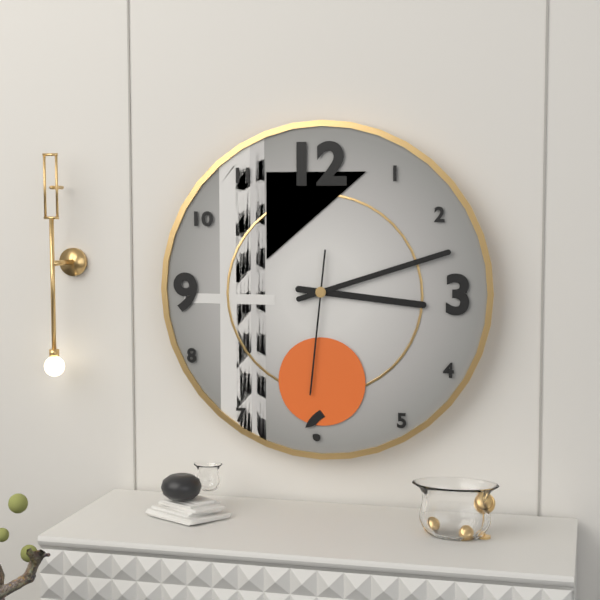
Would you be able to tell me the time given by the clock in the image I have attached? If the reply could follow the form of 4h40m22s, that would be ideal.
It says 3h12m31s
